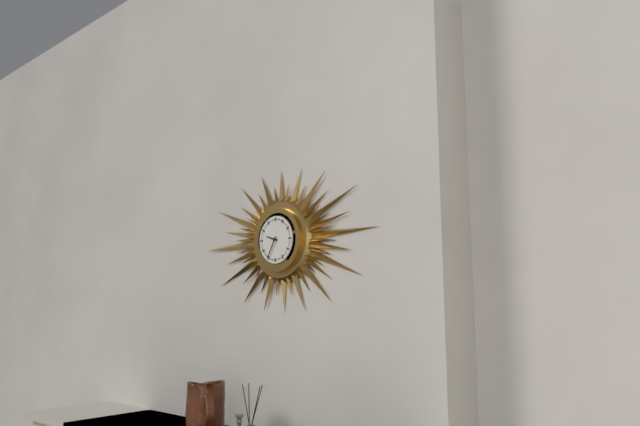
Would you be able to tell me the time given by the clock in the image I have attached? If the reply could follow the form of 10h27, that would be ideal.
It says 9h35
